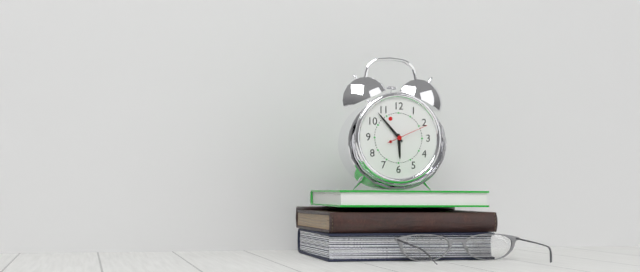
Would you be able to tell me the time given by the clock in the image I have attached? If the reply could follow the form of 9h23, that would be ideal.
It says 5h53
